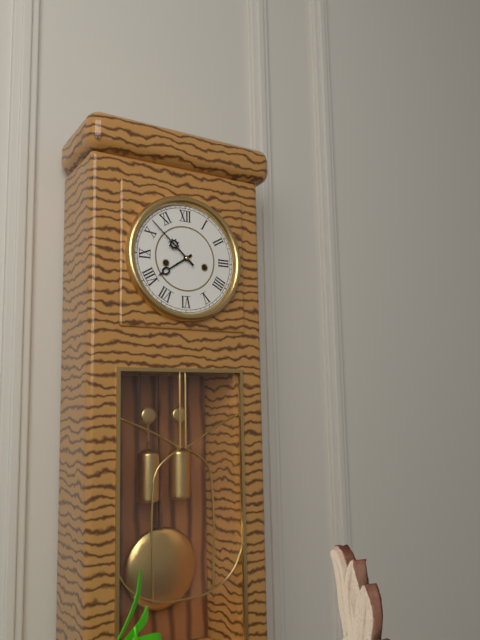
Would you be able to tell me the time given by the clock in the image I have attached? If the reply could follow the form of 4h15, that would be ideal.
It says 7h52
